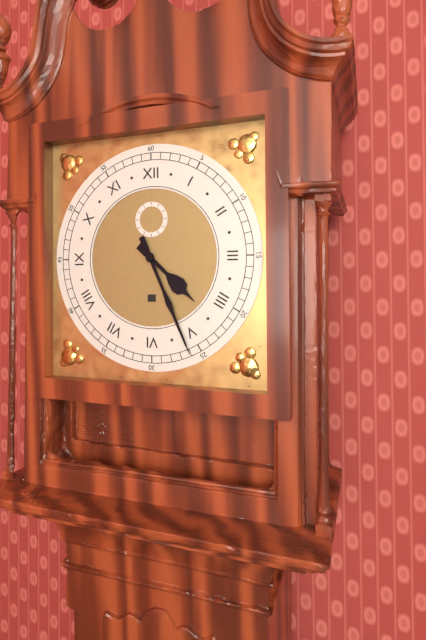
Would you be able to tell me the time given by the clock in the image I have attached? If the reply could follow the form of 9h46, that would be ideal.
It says 4h26
